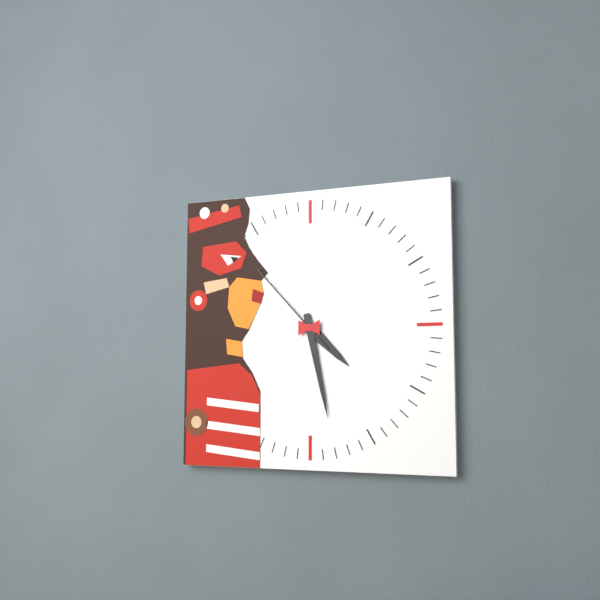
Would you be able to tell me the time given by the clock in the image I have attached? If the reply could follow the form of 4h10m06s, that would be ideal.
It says 4h28m53s
